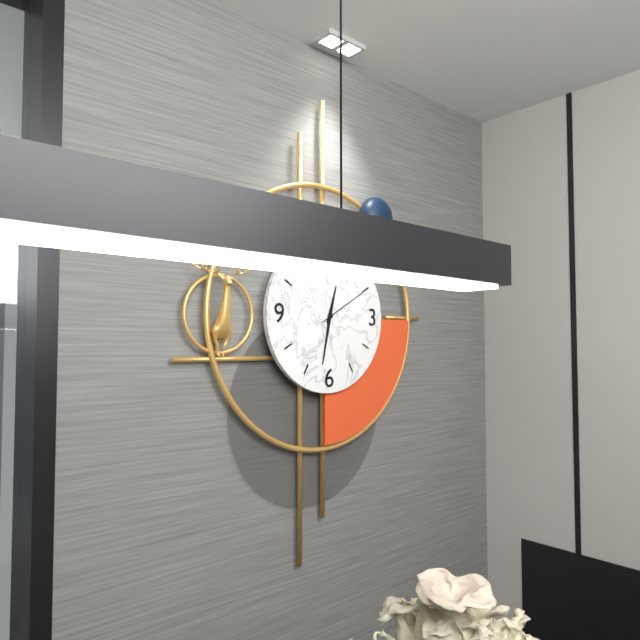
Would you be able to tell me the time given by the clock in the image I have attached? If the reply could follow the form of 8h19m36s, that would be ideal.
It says 12h32m10s
